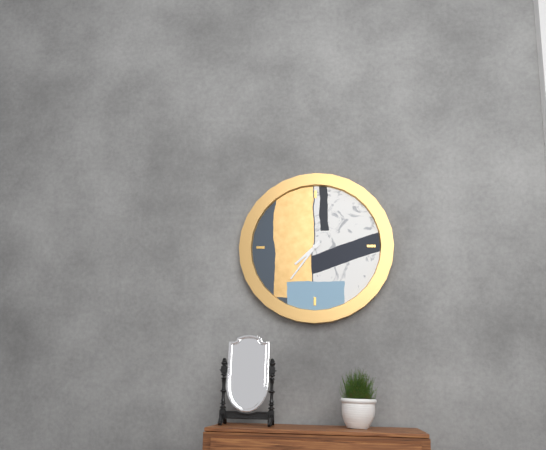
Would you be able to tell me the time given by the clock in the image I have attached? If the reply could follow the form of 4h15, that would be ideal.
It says 7h36
